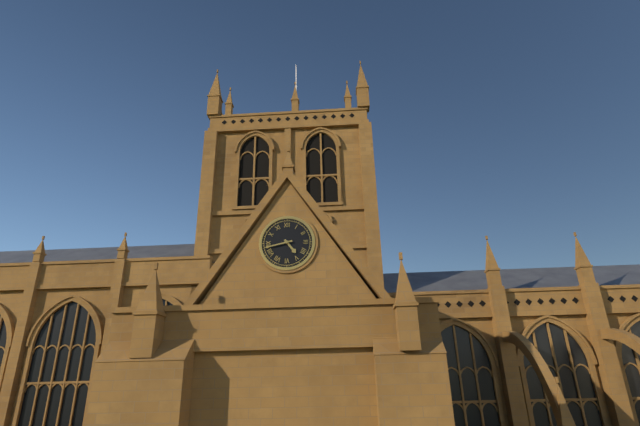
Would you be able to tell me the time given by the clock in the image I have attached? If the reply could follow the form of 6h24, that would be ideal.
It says 4h43
